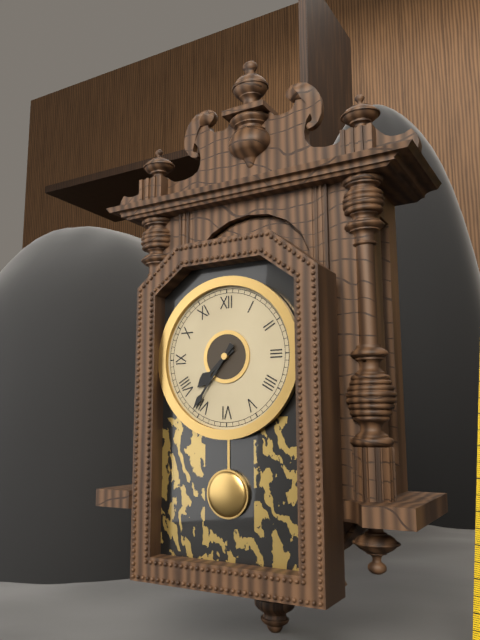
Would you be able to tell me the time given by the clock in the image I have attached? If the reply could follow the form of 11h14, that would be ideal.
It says 7h36
